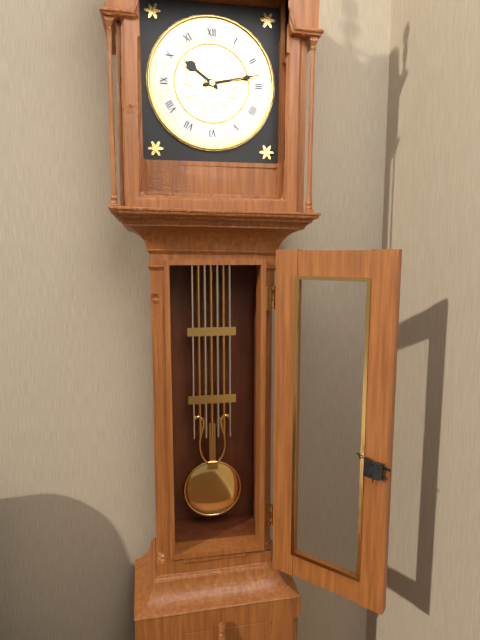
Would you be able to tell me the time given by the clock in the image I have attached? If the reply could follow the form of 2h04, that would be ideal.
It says 10h13
